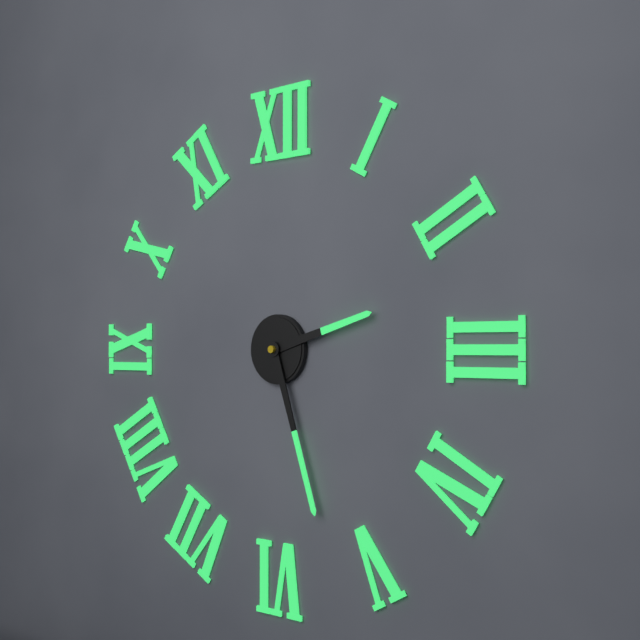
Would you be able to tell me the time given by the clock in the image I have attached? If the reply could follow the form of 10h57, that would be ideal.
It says 2h27
